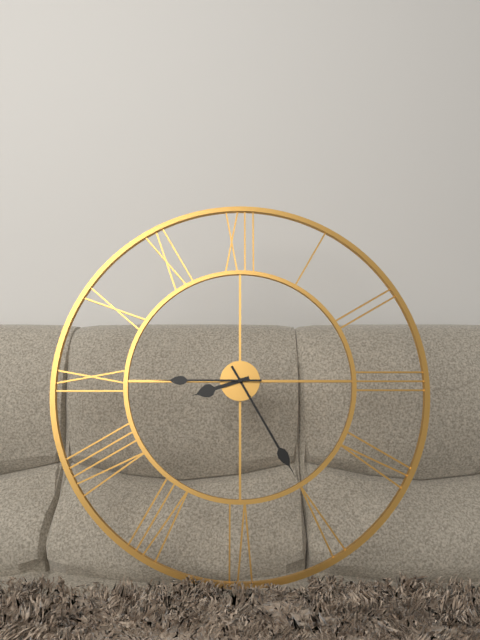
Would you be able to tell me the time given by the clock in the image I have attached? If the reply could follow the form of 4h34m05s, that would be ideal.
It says 8h25m45s
